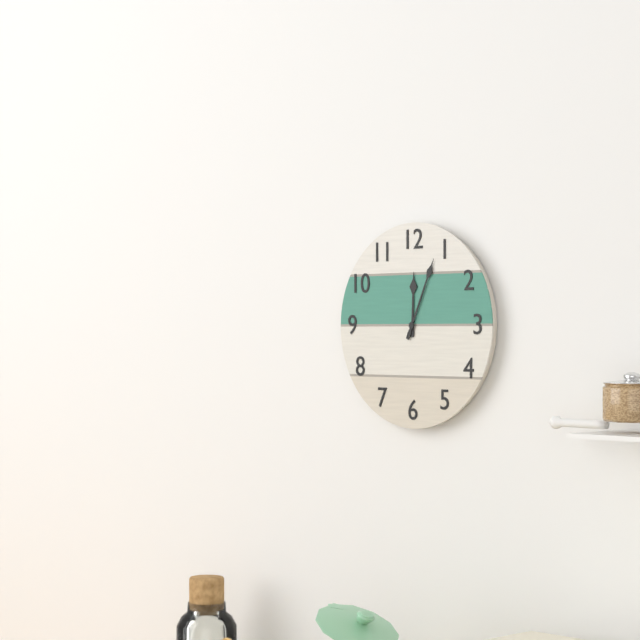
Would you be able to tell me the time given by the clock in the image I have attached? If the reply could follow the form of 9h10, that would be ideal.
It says 12h04
